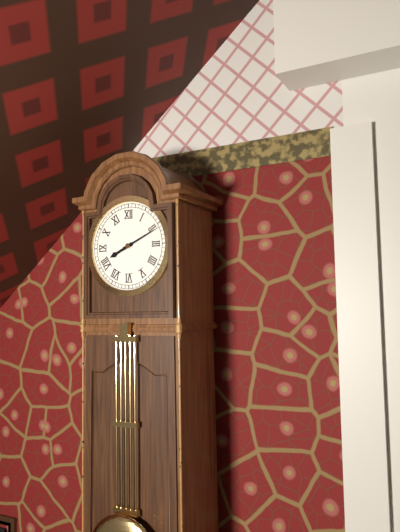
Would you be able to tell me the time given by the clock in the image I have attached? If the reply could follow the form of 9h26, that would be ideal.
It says 8h11
